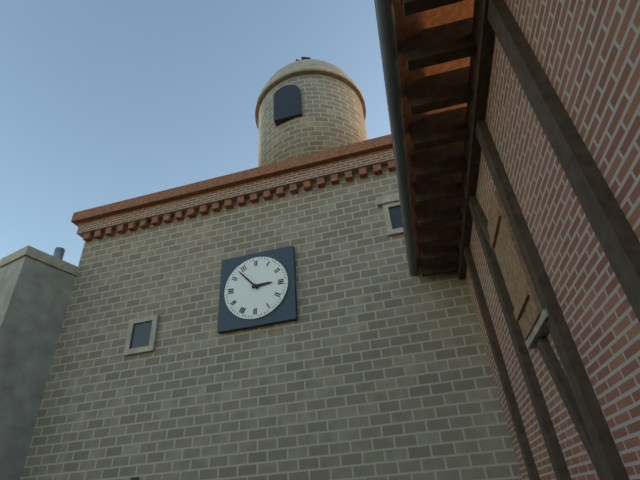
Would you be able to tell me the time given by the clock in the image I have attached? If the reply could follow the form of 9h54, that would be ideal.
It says 2h53
